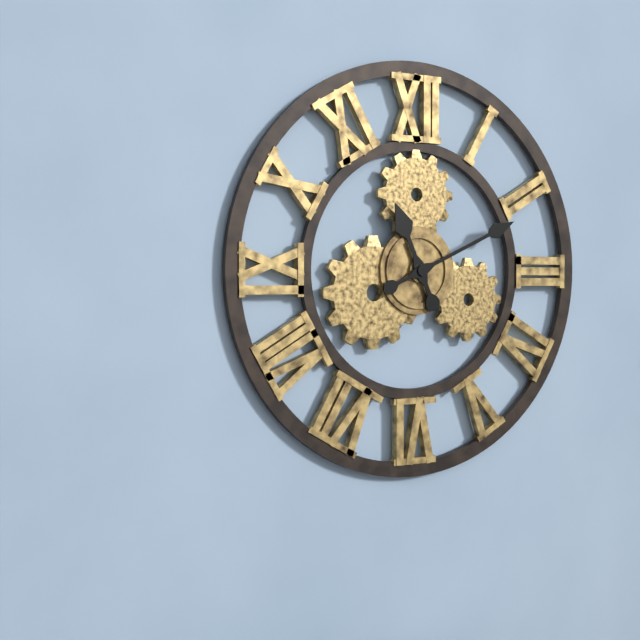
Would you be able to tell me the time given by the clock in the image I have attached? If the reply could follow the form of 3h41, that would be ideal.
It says 11h11
